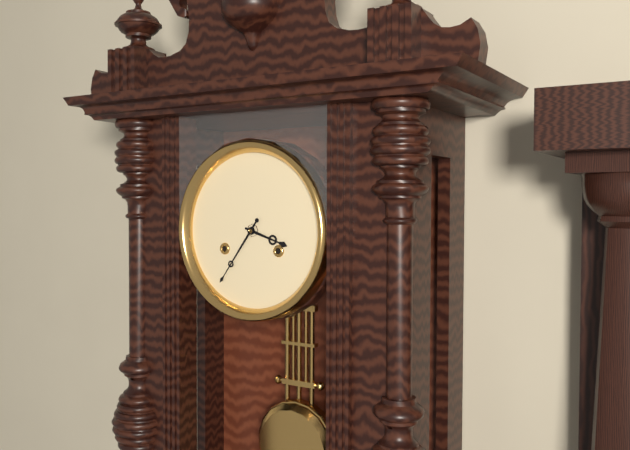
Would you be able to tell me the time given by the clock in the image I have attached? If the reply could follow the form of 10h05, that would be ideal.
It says 3h36
